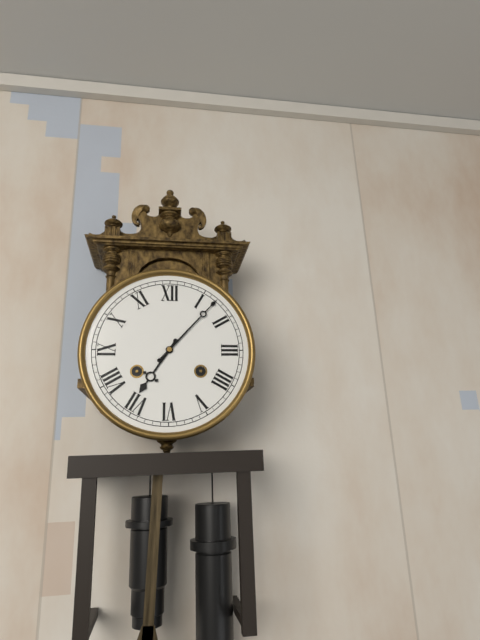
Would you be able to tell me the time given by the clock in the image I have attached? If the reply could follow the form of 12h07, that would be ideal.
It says 7h07
